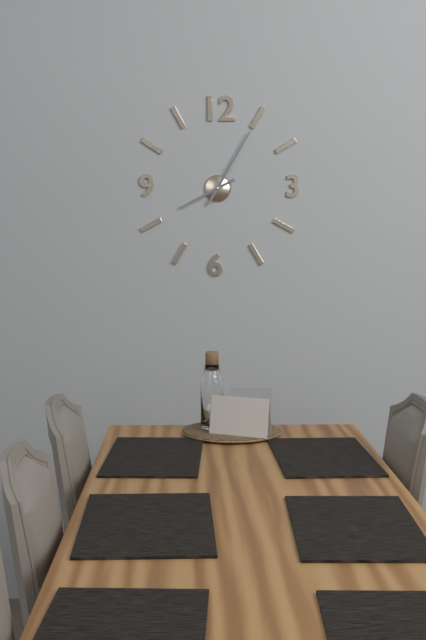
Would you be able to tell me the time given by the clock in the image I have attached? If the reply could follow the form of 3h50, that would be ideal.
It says 8h05
